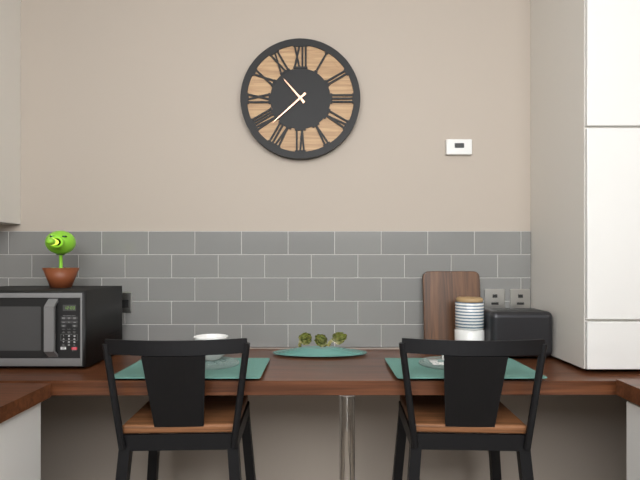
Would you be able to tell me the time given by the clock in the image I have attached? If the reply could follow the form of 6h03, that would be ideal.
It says 10h38
